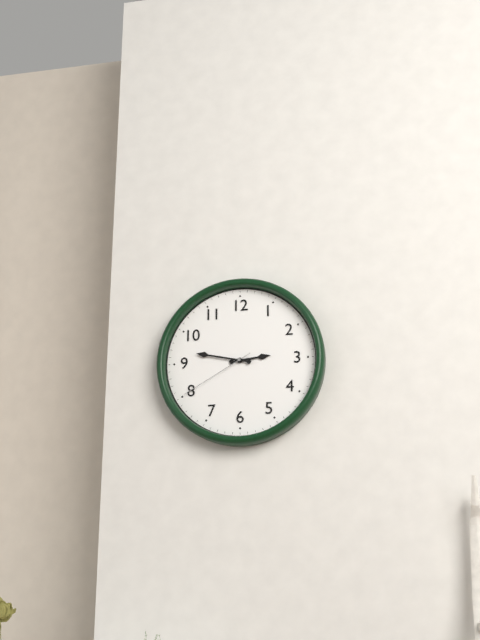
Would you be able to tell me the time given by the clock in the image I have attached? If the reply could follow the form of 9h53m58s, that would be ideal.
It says 2h47m40s
